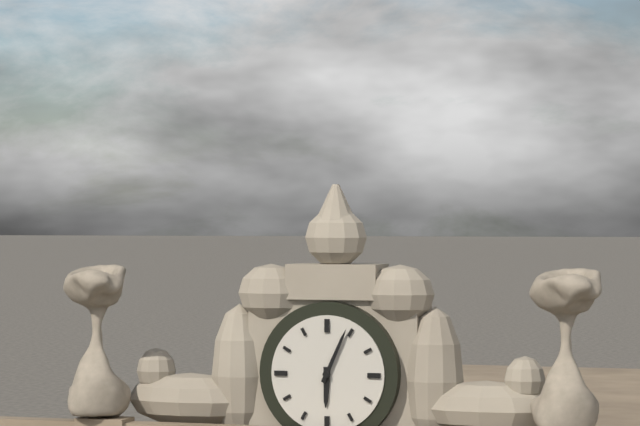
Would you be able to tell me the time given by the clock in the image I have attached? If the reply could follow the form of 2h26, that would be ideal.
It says 6h04
